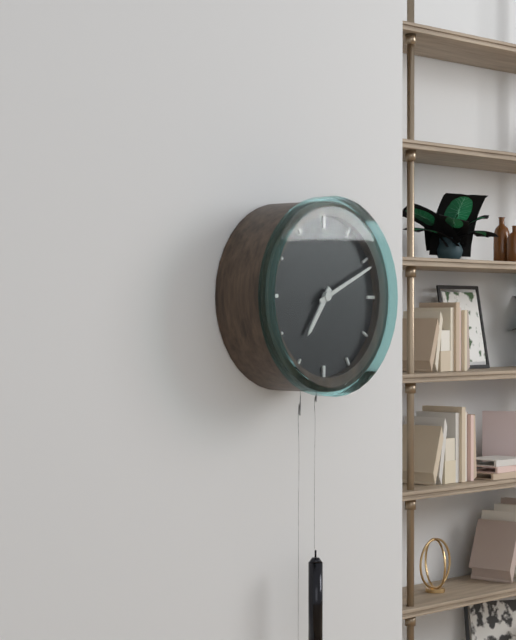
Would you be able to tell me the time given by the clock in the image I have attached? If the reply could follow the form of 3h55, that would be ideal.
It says 7h11
